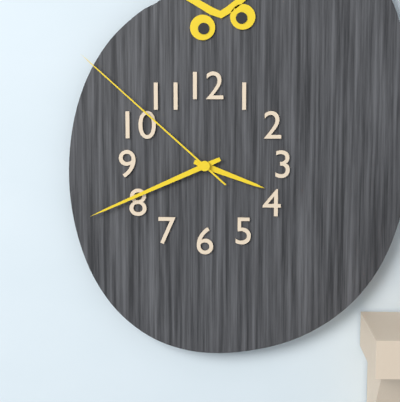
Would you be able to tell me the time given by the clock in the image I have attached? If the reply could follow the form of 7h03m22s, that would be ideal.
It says 3h41m52s
